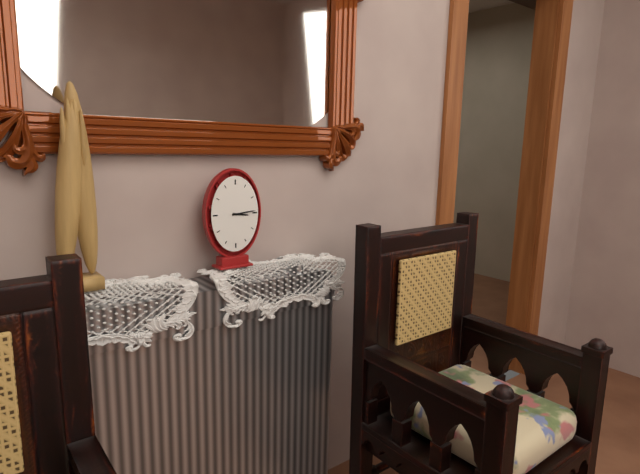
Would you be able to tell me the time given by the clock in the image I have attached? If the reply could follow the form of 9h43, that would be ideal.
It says 3h14
